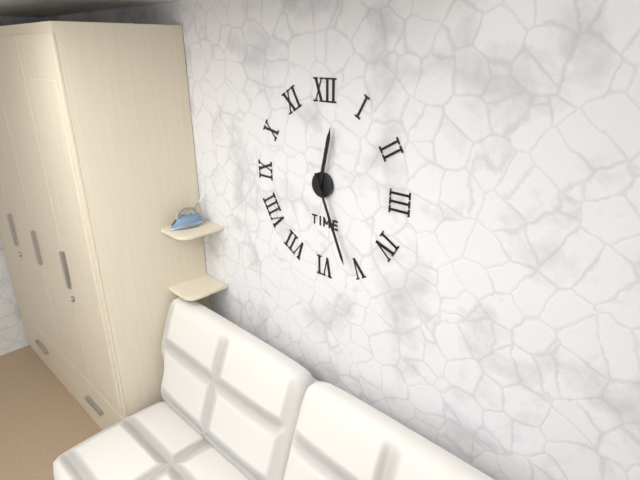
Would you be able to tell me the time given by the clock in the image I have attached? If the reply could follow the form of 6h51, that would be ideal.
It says 12h26
